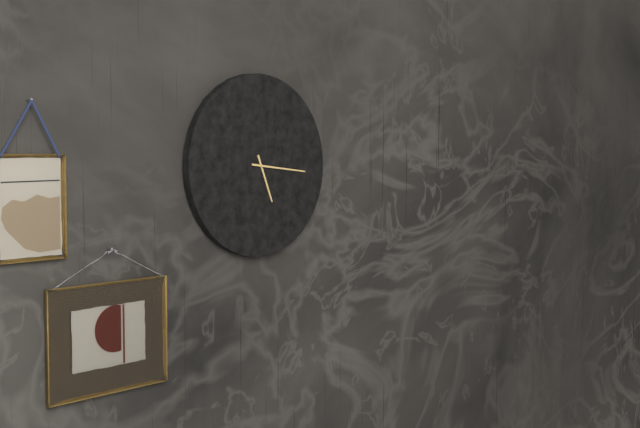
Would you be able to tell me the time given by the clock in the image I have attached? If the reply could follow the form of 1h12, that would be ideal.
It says 5h16
